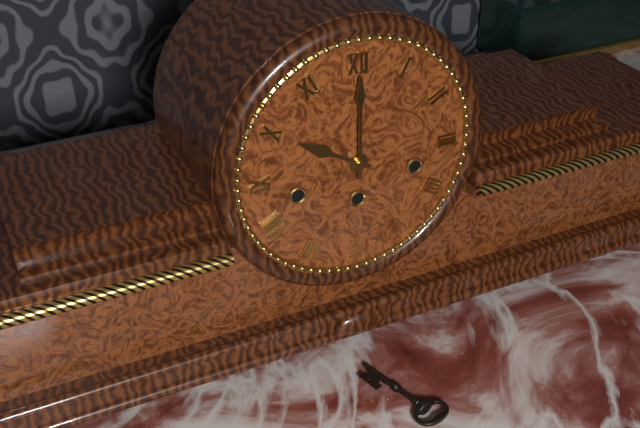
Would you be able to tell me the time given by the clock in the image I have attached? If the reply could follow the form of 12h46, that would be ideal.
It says 10h00
